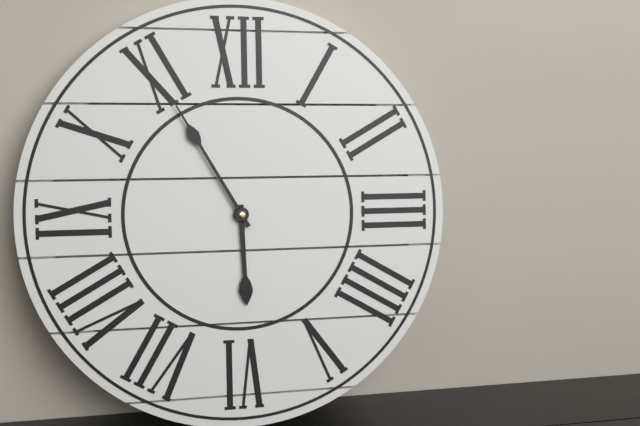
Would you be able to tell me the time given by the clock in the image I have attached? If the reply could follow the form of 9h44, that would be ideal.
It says 5h55
